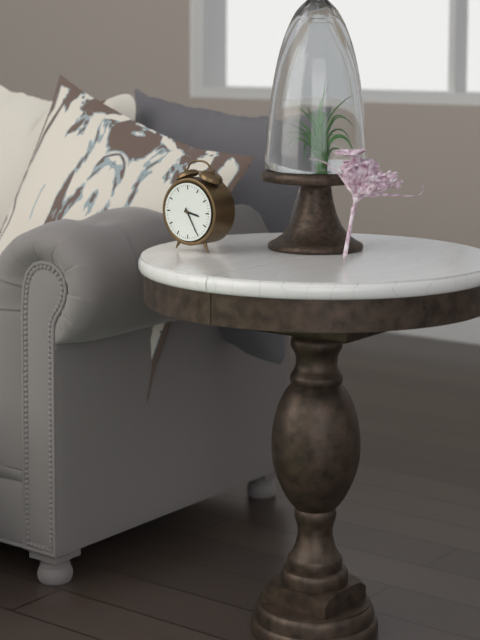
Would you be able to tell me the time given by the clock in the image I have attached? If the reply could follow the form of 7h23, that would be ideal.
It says 3h25
